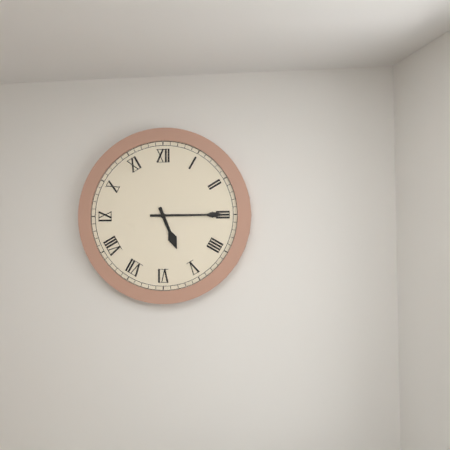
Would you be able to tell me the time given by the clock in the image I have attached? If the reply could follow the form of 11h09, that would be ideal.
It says 5h15
